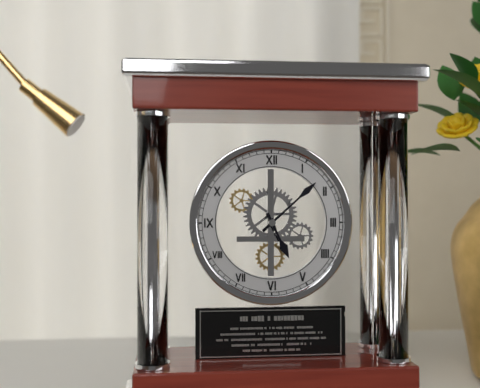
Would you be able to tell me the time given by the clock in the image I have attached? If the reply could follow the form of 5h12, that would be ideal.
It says 5h08
